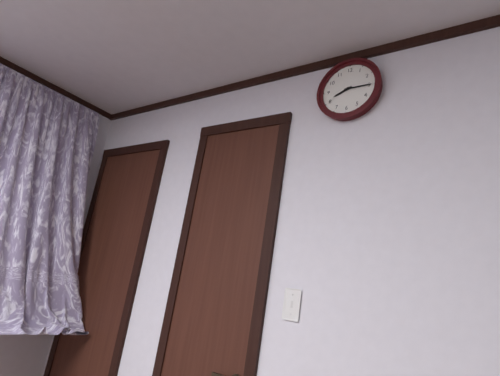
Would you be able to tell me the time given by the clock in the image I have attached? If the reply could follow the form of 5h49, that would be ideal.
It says 8h15
